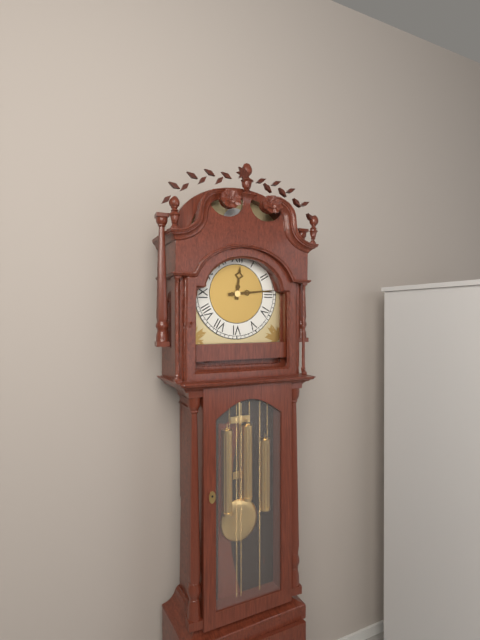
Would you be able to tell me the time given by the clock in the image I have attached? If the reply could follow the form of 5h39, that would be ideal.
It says 12h14
